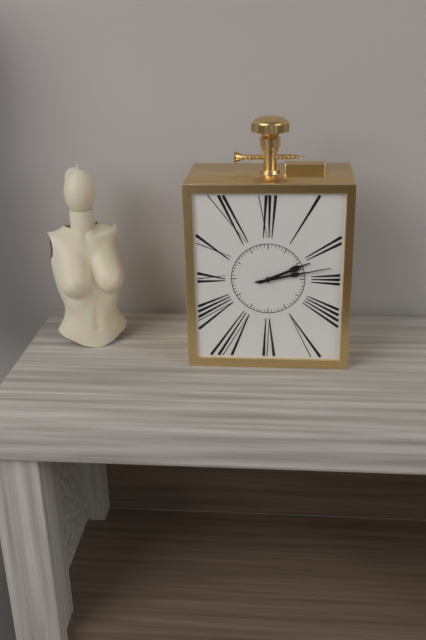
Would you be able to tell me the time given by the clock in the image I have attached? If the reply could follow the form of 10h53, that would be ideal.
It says 2h13
